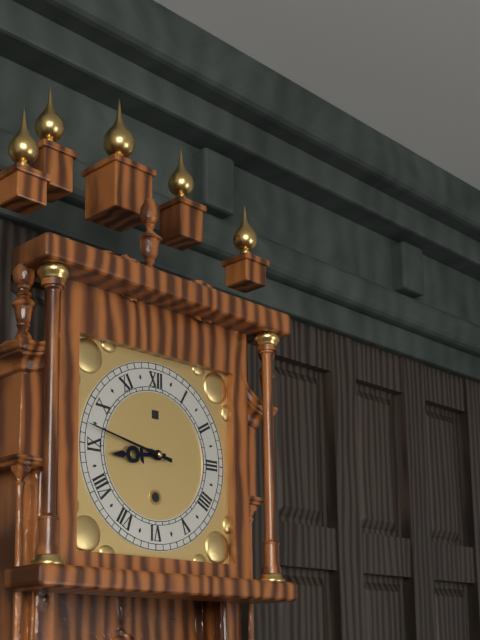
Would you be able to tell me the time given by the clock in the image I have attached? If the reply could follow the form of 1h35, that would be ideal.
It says 8h47
